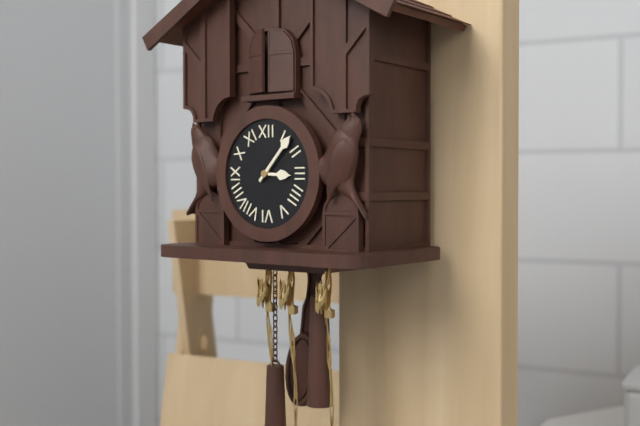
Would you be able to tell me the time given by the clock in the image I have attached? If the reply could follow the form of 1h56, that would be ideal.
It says 3h07
